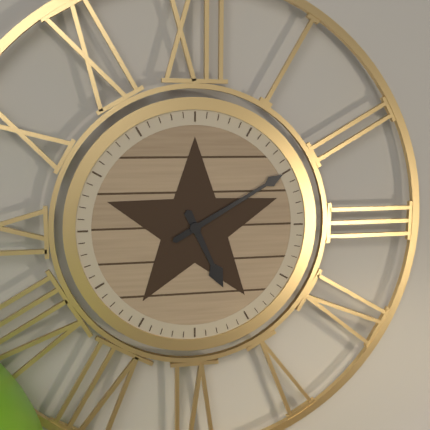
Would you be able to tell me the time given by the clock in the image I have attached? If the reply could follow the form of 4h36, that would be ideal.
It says 5h10
